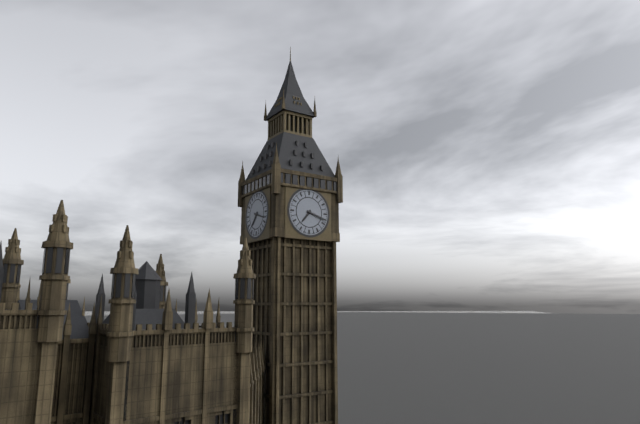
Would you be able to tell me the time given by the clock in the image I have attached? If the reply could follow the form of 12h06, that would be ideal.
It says 7h18
